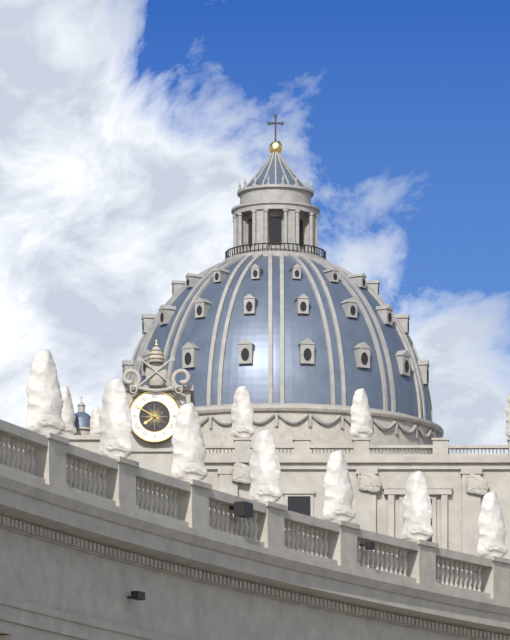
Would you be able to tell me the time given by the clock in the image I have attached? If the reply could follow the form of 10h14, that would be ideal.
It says 7h50
